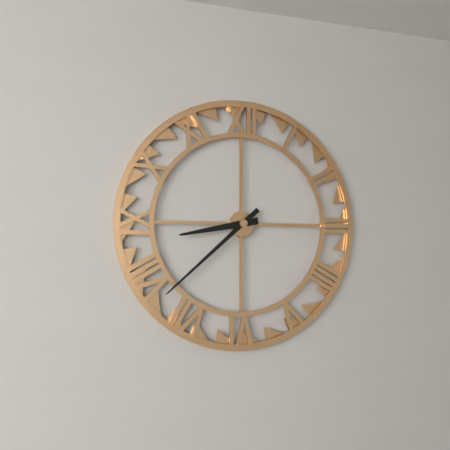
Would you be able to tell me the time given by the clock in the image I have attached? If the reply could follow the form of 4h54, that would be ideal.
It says 8h38
